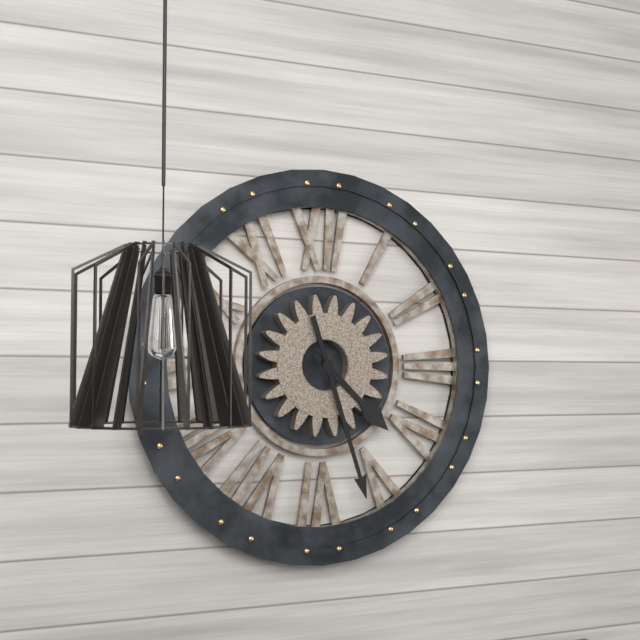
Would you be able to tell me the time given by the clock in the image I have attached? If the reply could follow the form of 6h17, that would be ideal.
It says 4h27
